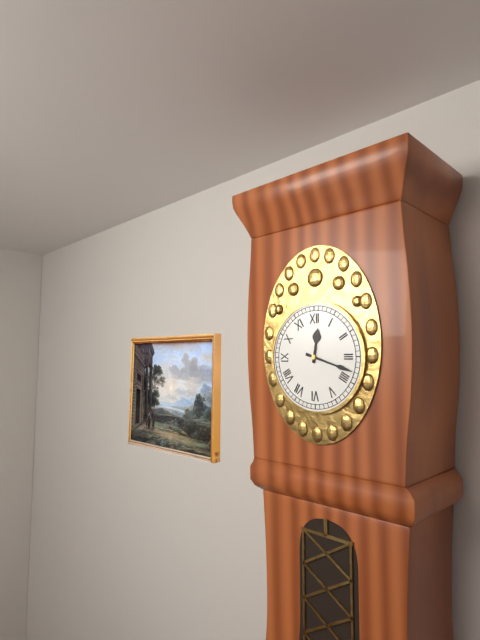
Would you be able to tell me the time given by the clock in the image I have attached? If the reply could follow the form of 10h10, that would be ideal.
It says 12h18
